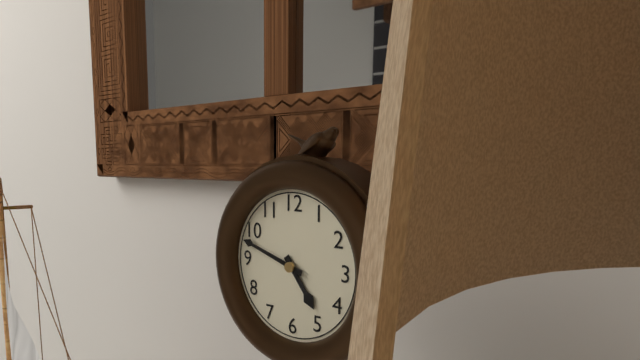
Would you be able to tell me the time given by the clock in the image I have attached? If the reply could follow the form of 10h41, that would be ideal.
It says 4h48
